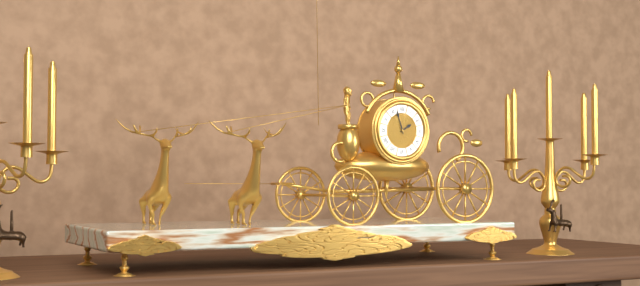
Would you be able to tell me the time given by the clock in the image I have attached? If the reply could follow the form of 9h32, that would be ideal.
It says 1h57
